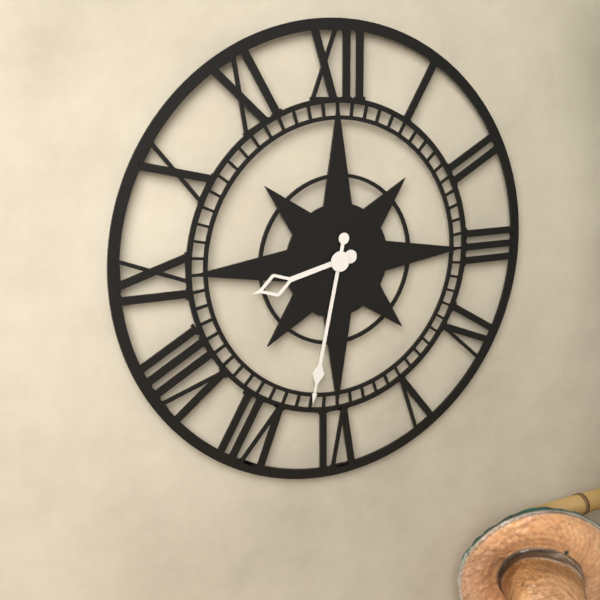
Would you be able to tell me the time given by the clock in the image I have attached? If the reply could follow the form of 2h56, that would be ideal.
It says 8h32
